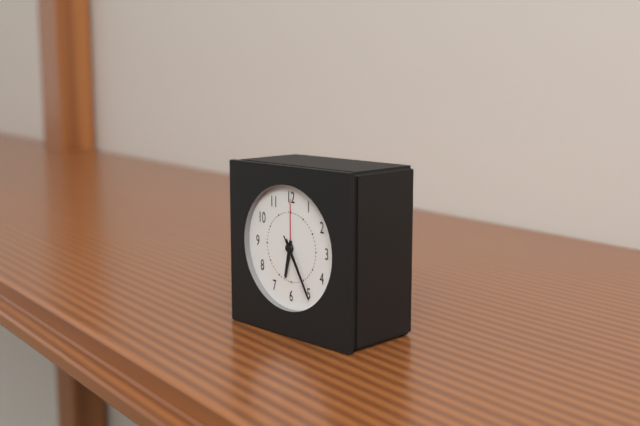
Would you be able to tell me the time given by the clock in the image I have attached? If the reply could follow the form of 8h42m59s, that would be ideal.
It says 6h25m25s
